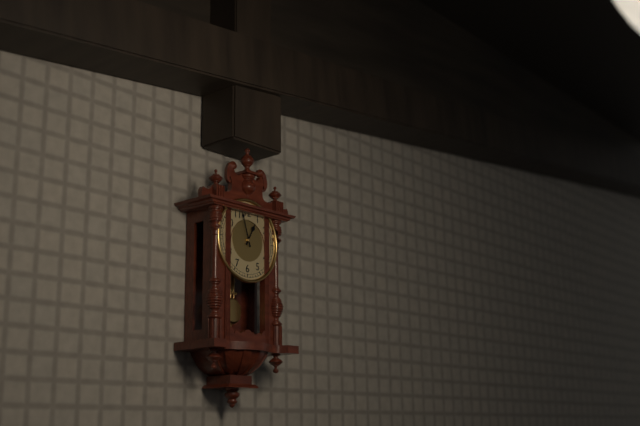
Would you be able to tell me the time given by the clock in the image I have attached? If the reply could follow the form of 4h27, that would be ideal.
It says 12h57
